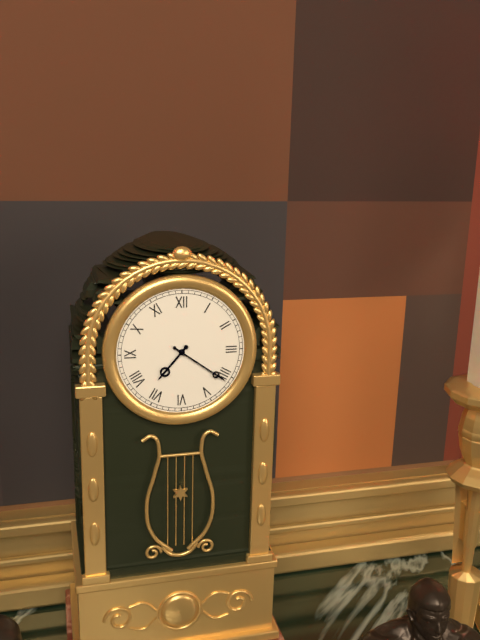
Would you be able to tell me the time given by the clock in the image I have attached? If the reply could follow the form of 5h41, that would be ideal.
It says 7h21
